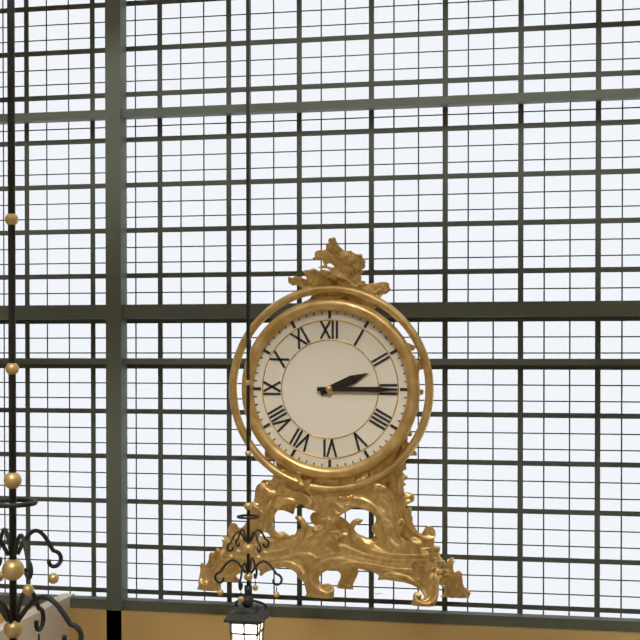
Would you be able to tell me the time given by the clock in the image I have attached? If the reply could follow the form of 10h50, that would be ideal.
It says 2h15
